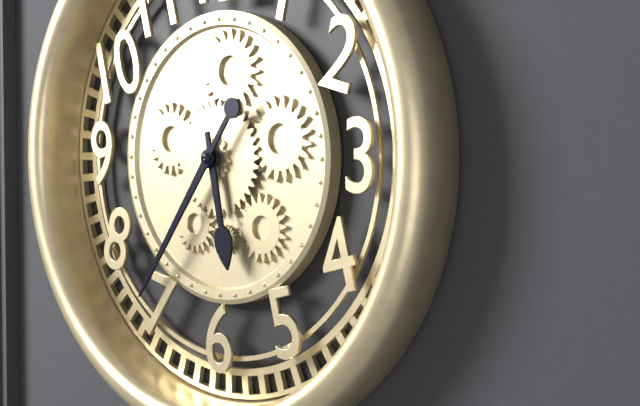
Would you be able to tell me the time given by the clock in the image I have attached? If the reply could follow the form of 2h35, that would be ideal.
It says 5h36
